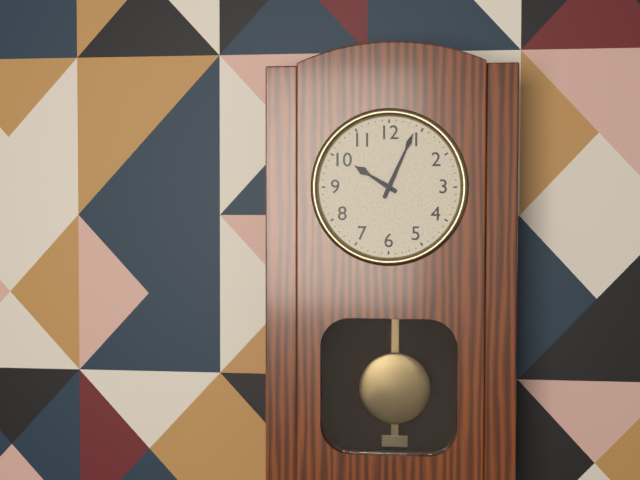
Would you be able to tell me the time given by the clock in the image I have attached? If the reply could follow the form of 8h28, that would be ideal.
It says 10h04
